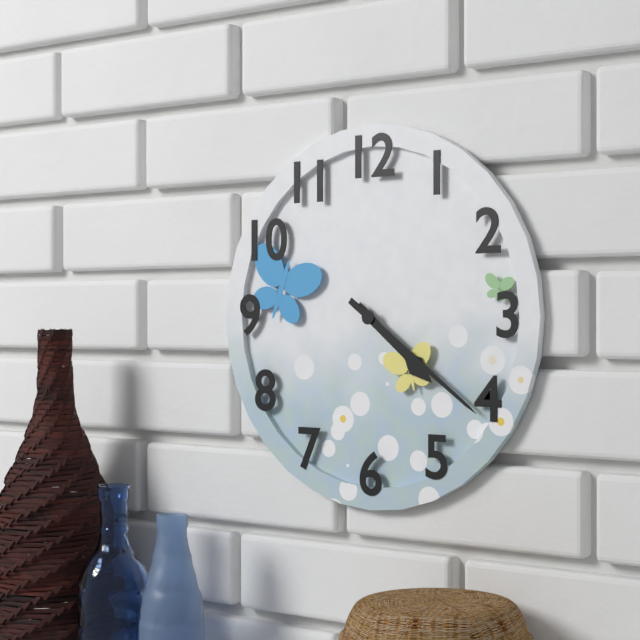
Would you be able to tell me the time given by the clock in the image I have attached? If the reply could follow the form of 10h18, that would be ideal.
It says 4h21
